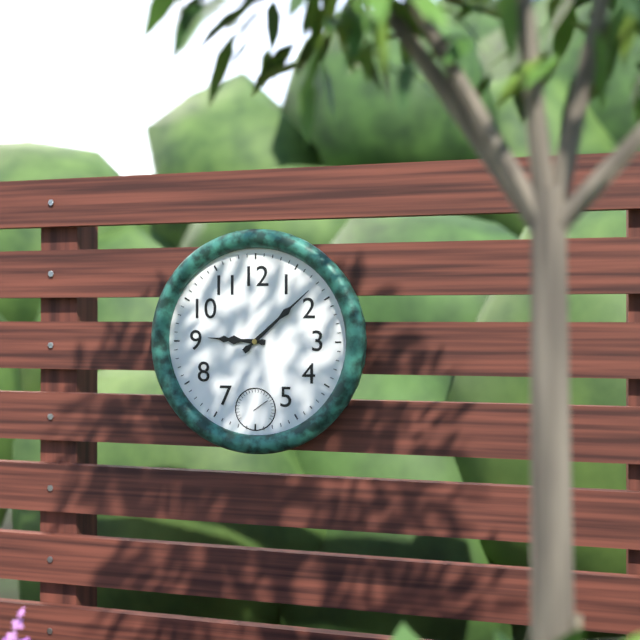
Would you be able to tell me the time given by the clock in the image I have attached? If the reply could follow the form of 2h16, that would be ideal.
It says 9h08
